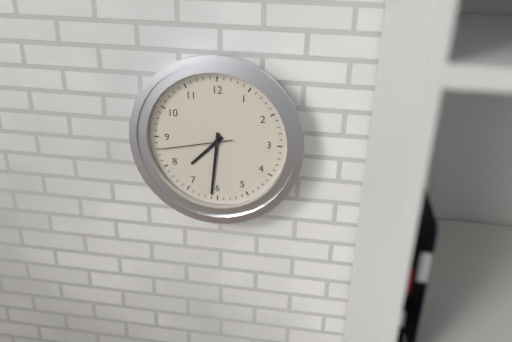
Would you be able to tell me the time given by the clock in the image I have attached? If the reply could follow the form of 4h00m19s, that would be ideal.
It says 7h31m43s
